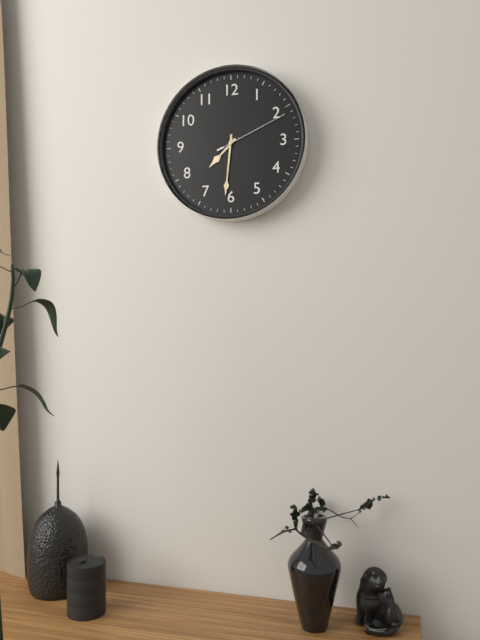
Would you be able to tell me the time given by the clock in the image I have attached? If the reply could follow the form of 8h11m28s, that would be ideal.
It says 7h31m11s
